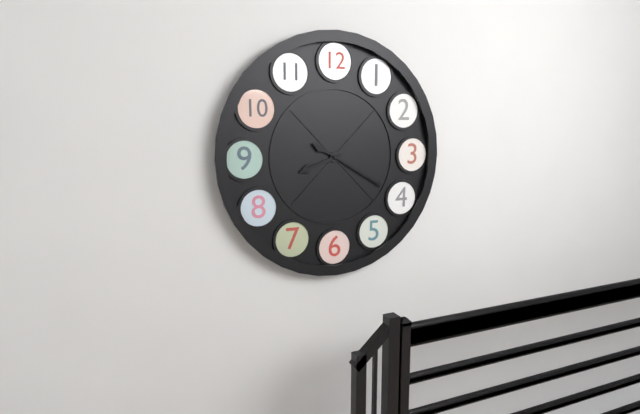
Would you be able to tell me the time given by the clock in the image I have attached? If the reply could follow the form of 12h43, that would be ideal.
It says 8h20
